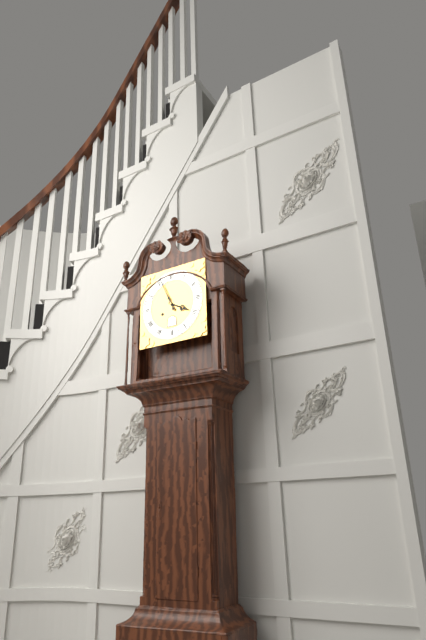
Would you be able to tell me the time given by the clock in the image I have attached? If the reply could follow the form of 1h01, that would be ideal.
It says 3h56
